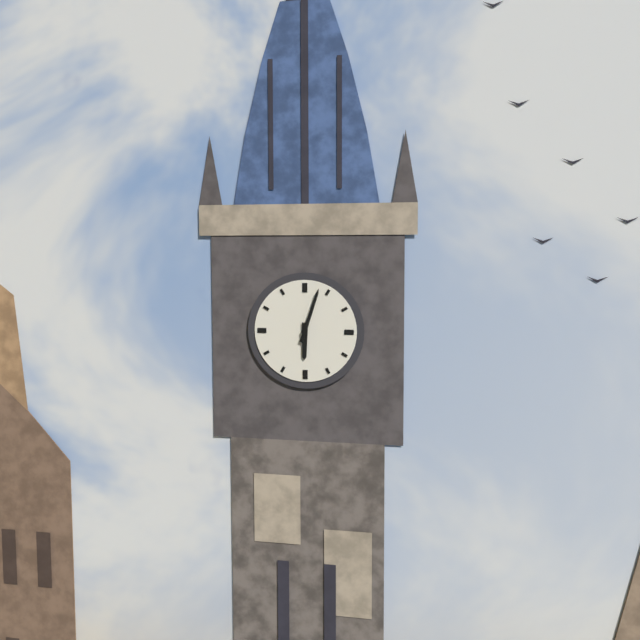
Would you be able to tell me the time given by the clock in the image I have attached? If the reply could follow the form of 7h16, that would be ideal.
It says 6h03
